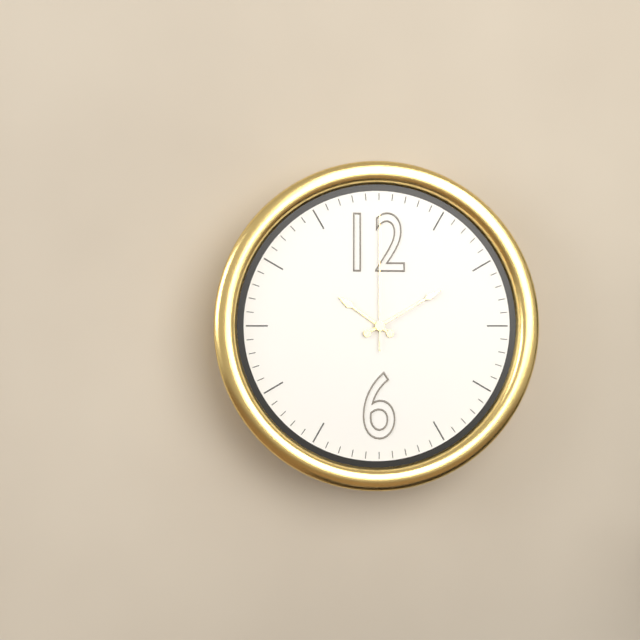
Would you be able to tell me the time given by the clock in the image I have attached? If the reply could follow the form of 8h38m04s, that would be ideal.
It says 10h10m00s
